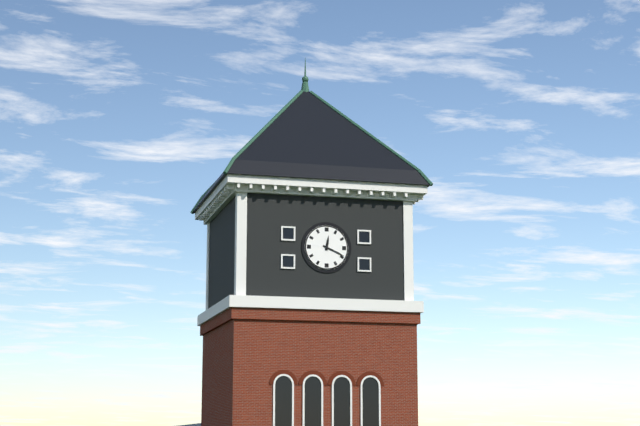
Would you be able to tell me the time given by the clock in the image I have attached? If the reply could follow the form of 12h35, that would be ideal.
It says 12h19
